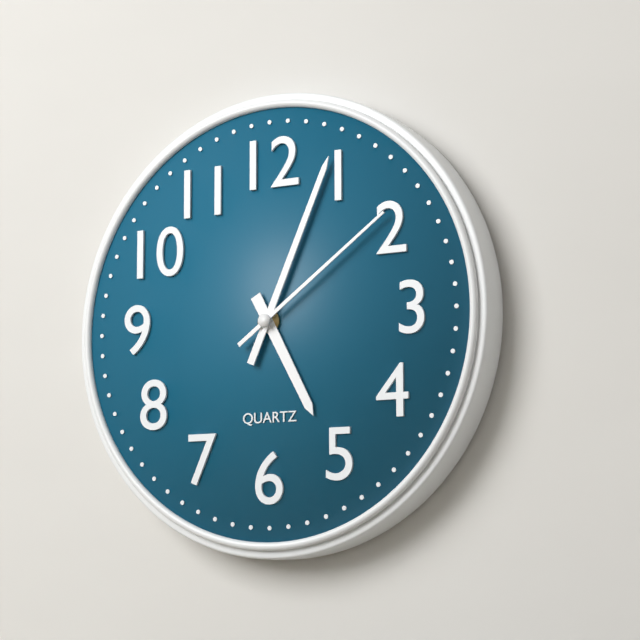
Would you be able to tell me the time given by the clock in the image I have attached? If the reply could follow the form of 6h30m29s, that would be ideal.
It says 5h04m09s
